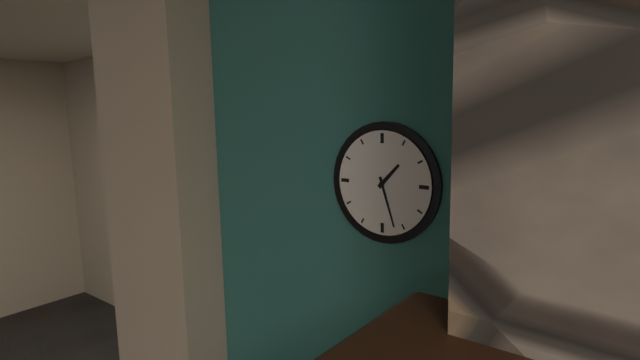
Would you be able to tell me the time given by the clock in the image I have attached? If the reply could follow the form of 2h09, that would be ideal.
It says 1h27
